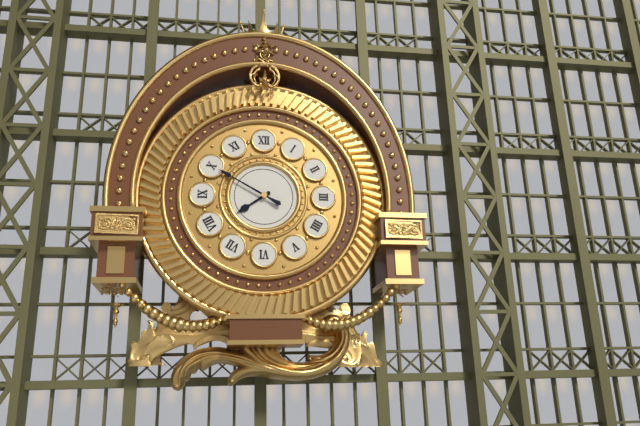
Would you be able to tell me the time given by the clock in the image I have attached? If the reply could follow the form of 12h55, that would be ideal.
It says 7h50
